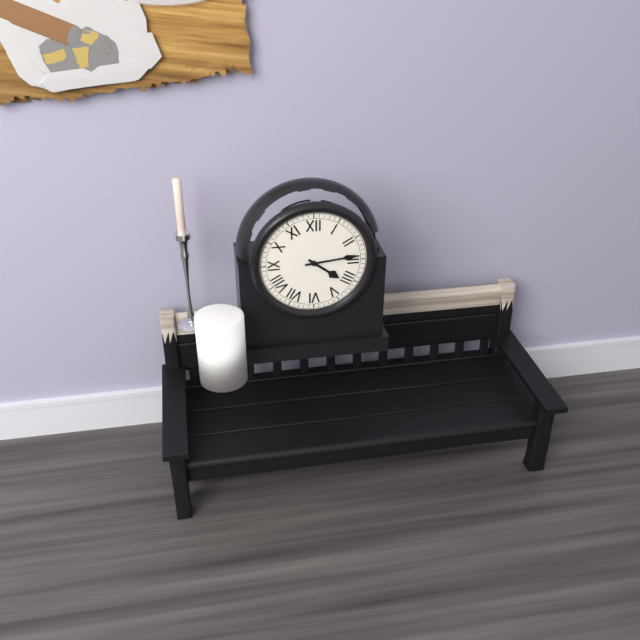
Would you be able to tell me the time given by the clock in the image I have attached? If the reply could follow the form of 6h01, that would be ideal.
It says 4h14
